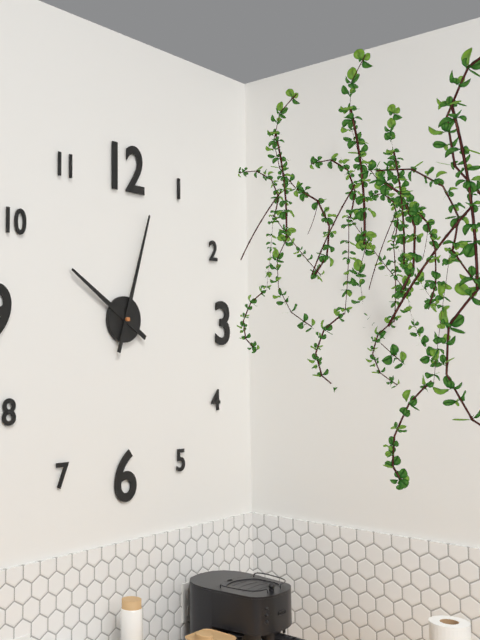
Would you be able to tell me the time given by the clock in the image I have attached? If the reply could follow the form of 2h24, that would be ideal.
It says 10h03
